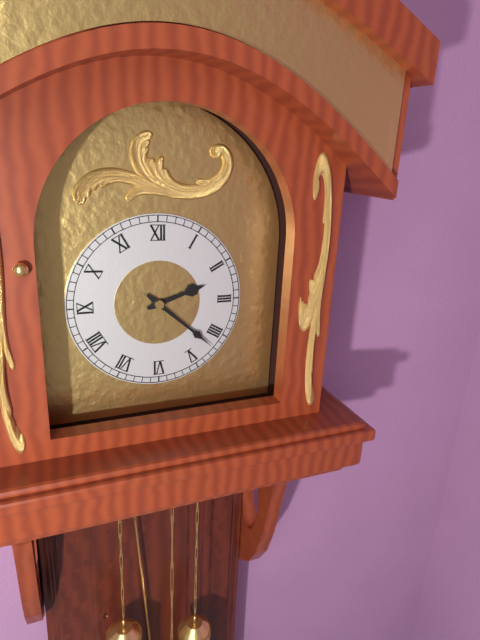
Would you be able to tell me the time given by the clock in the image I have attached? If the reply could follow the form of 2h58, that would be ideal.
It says 2h22
